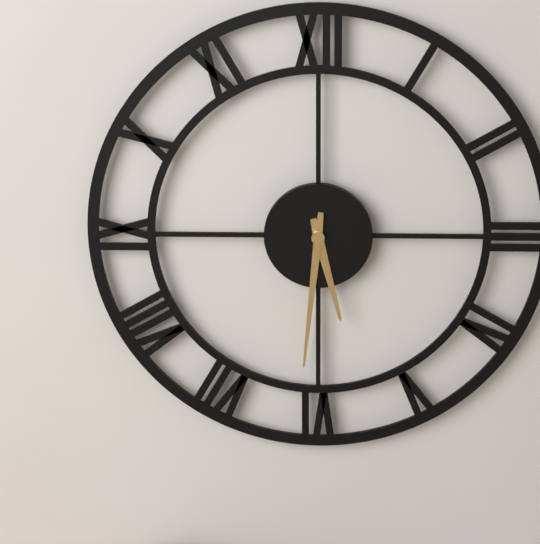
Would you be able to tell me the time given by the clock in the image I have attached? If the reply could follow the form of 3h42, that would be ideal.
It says 5h31
